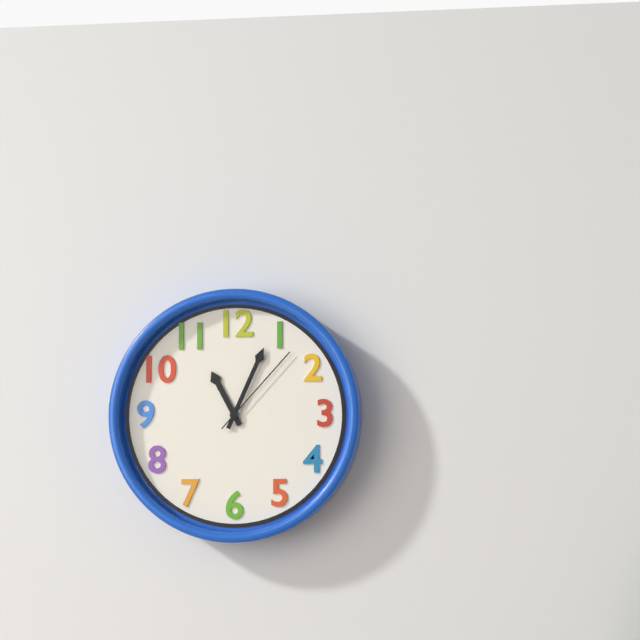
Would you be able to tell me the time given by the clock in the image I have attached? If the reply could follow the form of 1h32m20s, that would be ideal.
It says 11h04m07s
